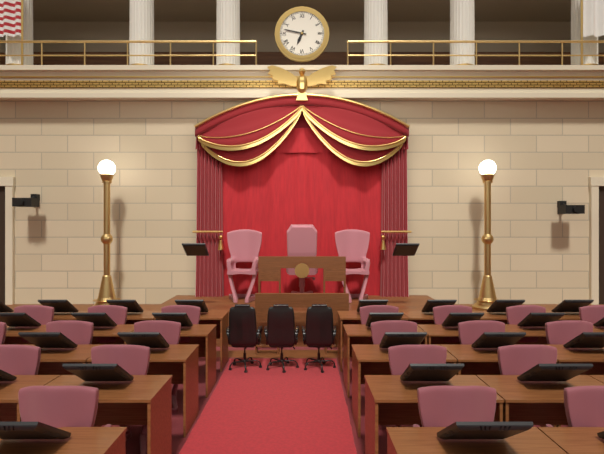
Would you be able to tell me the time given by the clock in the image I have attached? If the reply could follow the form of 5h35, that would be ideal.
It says 6h47
